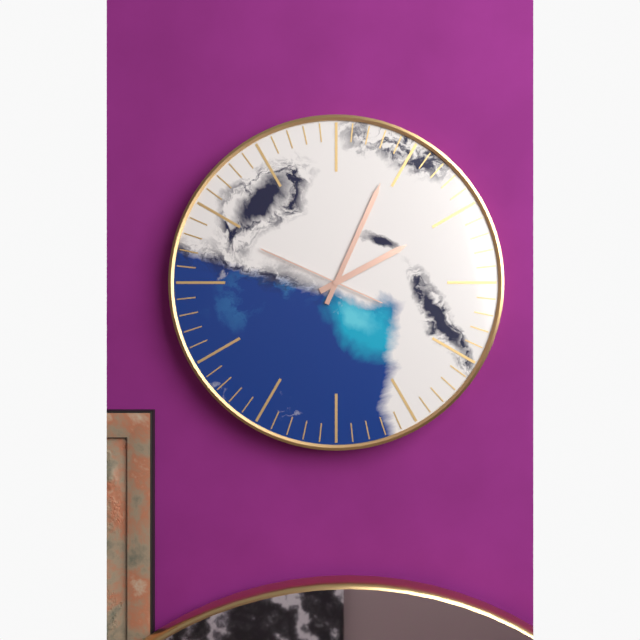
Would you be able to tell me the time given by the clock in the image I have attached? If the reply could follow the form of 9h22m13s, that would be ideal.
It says 2h04m49s
